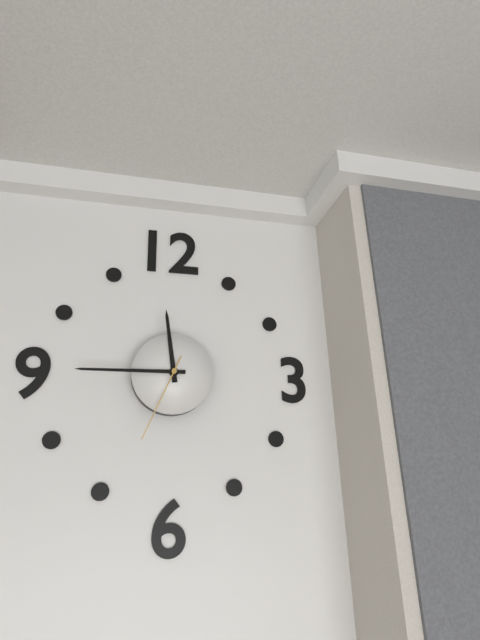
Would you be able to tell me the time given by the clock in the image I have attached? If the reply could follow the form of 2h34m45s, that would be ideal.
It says 11h45m34s
